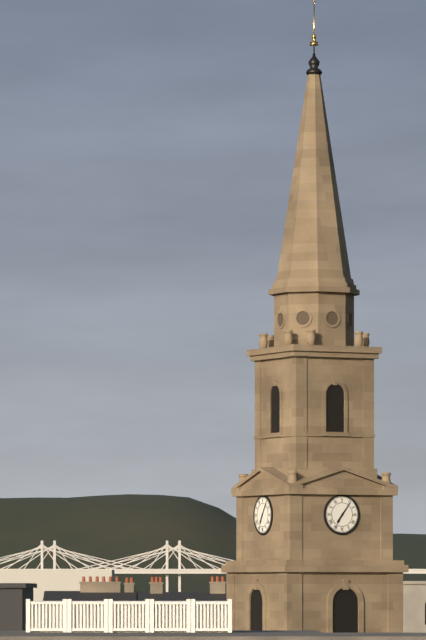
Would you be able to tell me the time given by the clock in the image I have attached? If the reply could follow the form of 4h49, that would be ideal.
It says 7h06
